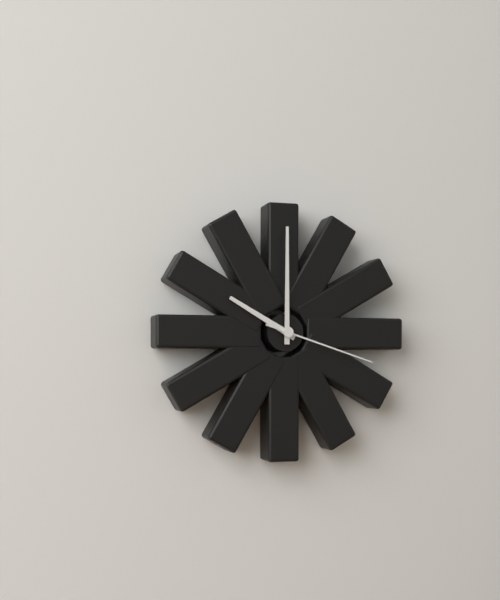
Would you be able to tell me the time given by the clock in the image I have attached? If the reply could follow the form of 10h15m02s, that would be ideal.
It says 10h00m18s
